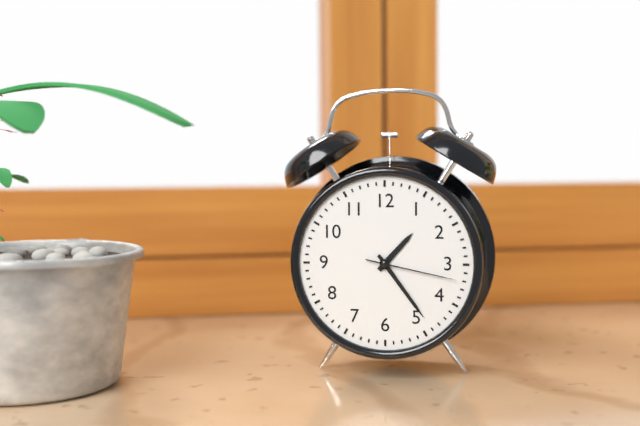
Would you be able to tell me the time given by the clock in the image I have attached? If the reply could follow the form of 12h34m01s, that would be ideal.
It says 1h24m17s
